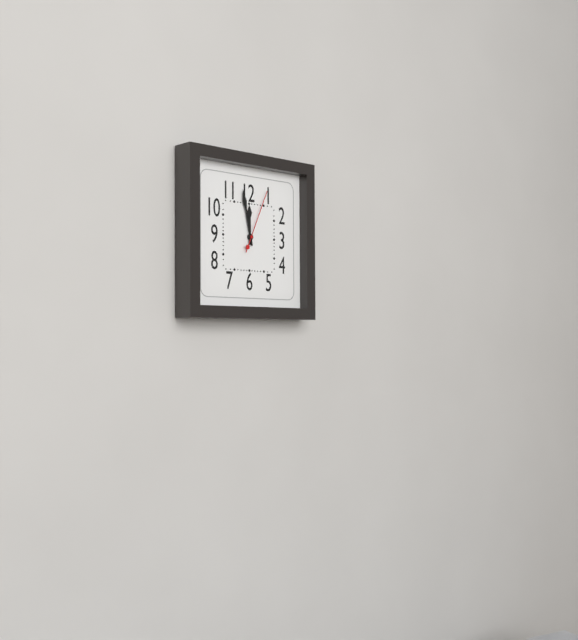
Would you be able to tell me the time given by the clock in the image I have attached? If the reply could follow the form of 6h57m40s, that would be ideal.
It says 11h58m04s
